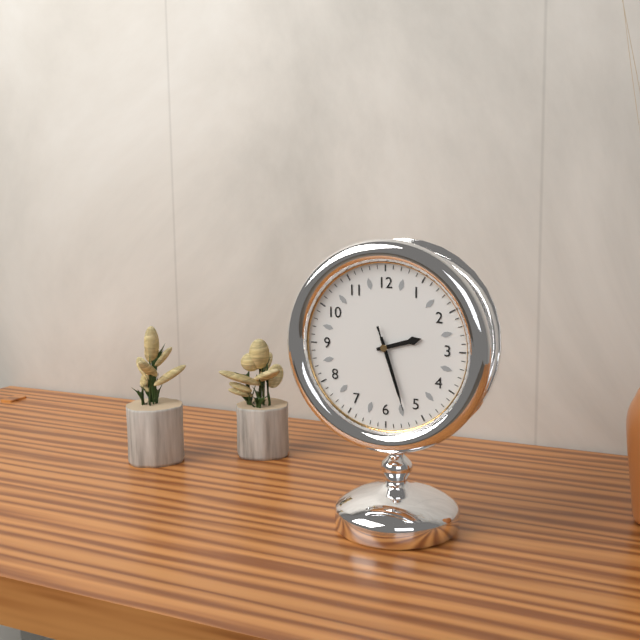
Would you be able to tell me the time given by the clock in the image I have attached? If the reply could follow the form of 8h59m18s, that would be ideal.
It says 2h27m27s
